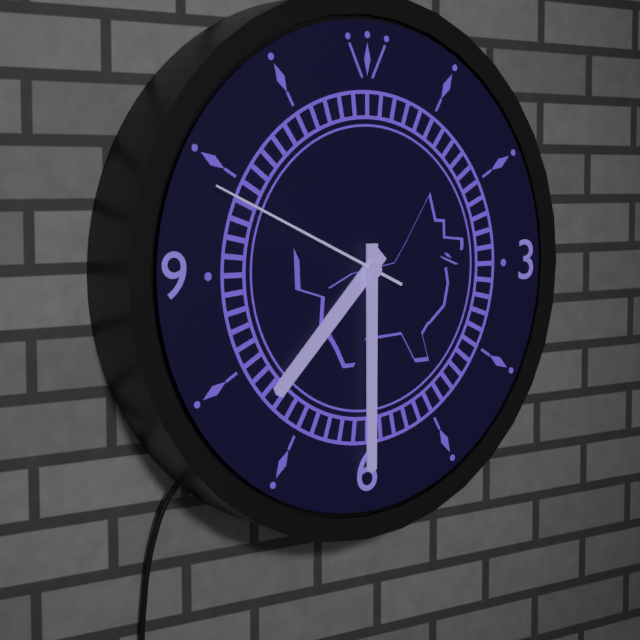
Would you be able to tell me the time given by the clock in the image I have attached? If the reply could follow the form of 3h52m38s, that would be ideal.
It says 7h30m49s
